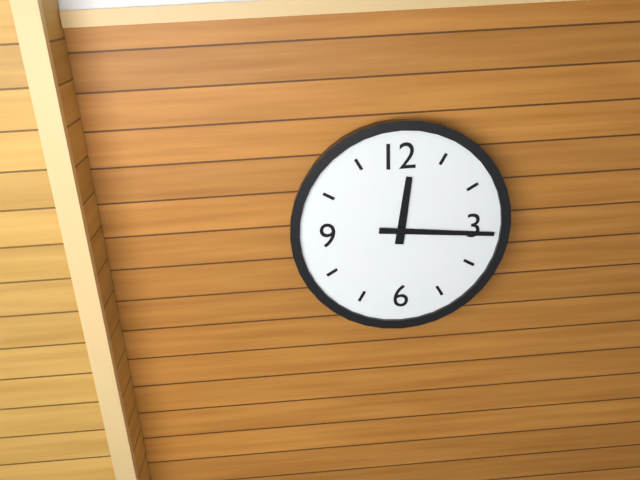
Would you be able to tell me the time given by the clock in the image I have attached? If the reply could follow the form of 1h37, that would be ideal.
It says 12h16
